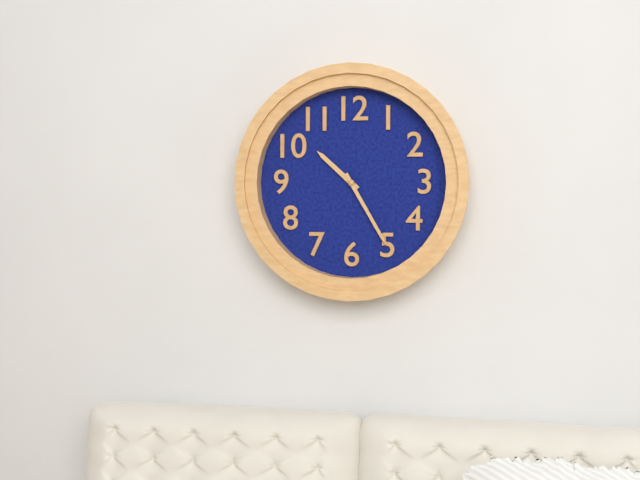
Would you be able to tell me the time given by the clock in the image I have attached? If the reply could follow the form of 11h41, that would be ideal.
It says 10h25
